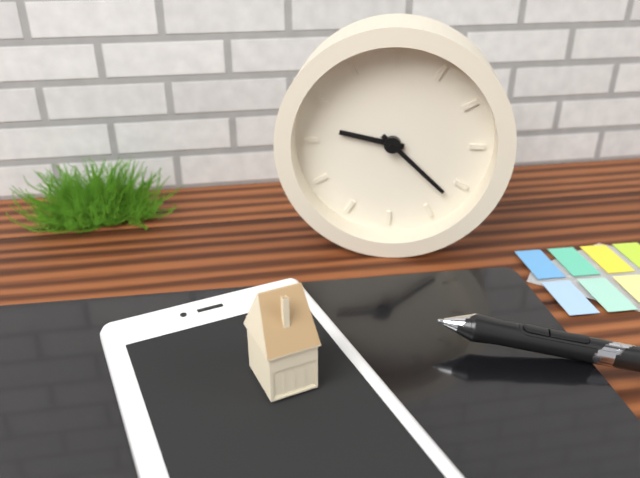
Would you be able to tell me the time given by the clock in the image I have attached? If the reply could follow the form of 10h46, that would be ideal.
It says 9h22
